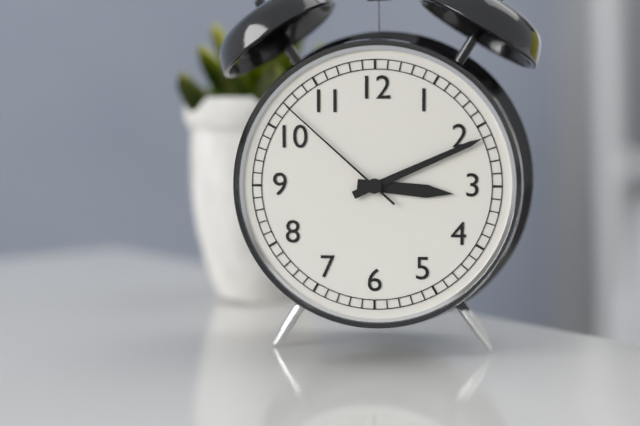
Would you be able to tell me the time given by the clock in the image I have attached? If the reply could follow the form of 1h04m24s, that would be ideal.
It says 3h11m52s
